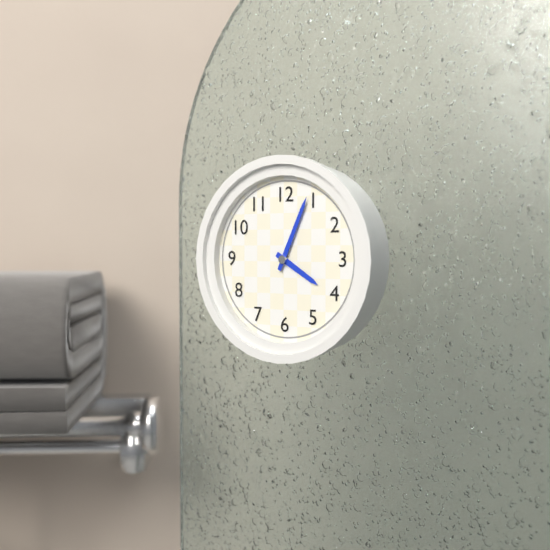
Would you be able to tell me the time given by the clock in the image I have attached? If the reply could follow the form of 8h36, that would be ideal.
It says 4h04
